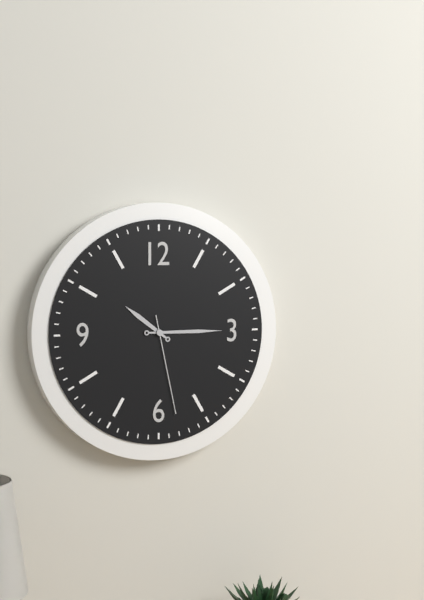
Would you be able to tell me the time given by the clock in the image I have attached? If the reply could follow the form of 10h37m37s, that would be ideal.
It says 10h15m28s
